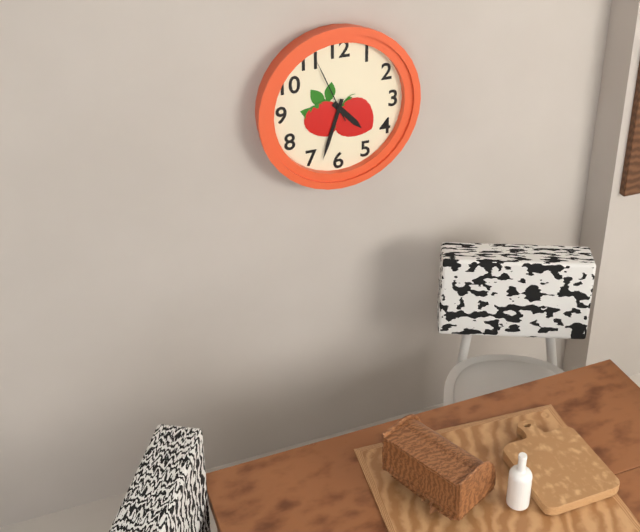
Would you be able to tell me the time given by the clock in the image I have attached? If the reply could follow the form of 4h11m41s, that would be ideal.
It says 4h33m56s
